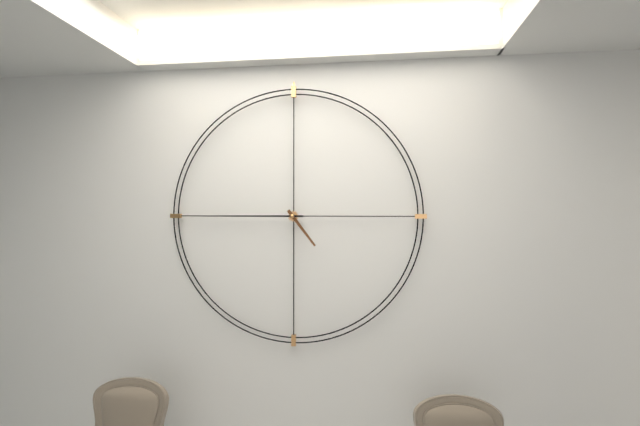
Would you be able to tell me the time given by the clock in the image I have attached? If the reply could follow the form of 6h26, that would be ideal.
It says 4h45
